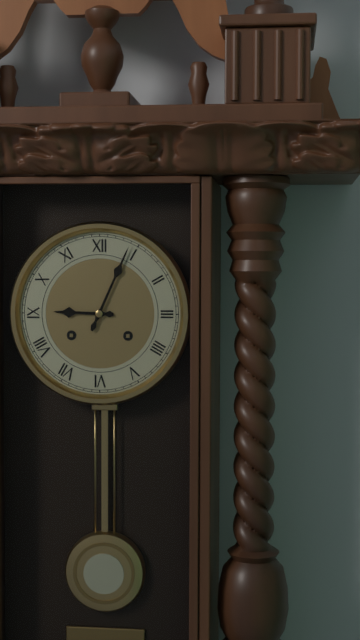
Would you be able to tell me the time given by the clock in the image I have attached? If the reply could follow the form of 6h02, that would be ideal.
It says 9h04
